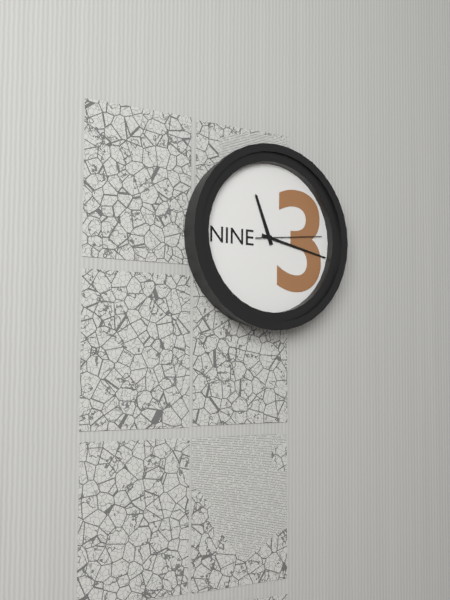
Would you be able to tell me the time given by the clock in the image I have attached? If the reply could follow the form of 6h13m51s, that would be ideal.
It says 11h17m14s
